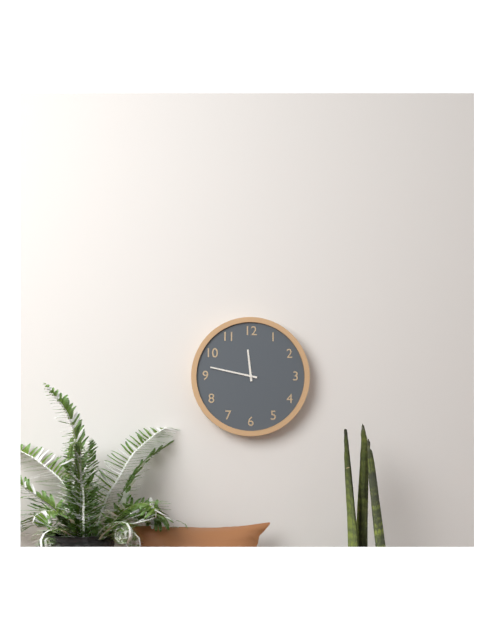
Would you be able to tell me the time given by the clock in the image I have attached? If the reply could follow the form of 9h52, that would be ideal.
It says 11h47
